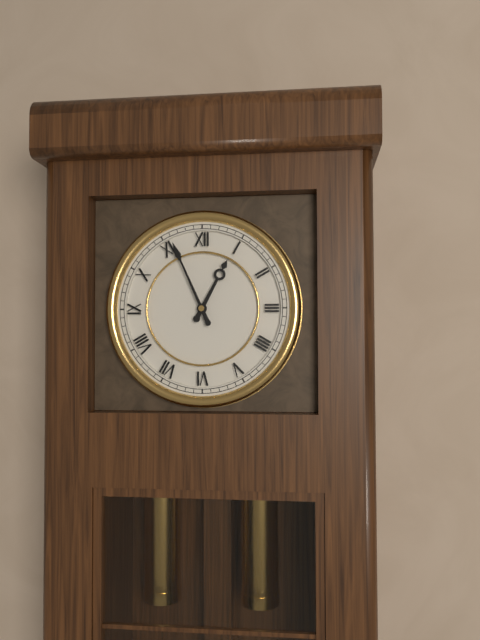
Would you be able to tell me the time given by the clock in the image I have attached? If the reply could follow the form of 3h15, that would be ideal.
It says 12h56
